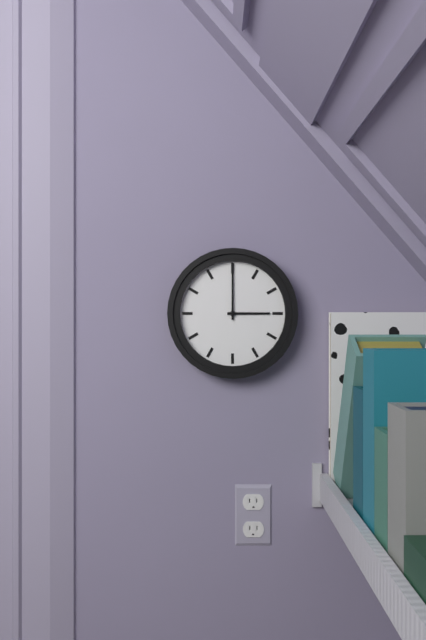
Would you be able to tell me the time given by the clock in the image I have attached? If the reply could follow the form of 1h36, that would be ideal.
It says 3h00
